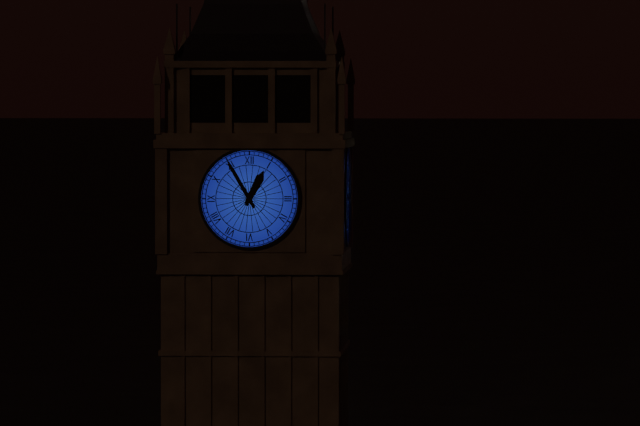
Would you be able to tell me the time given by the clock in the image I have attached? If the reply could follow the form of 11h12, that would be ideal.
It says 12h55
